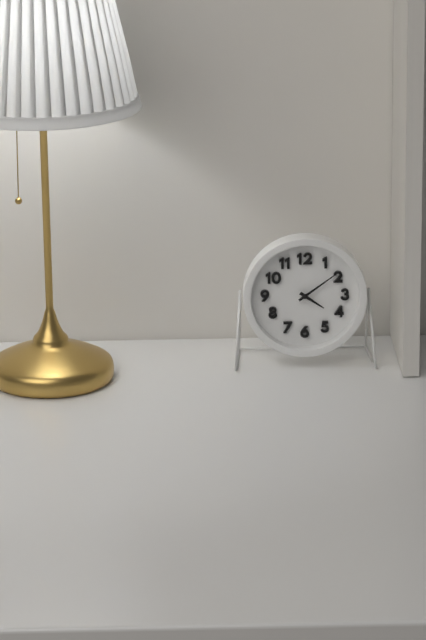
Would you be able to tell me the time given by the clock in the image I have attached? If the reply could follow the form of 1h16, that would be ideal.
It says 4h09
